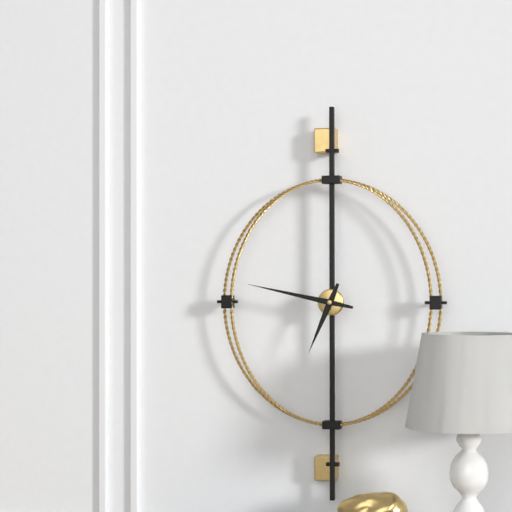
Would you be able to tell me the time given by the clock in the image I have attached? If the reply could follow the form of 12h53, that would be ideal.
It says 6h47
